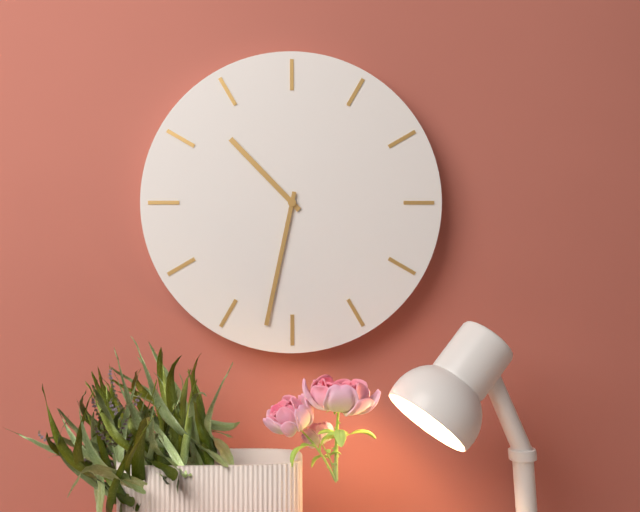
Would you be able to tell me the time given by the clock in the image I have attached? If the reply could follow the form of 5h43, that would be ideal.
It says 10h32
